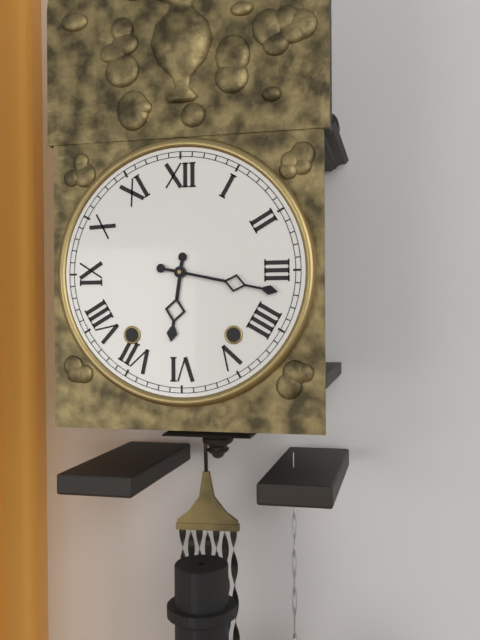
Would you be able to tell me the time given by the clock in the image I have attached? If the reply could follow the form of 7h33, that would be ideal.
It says 6h17
